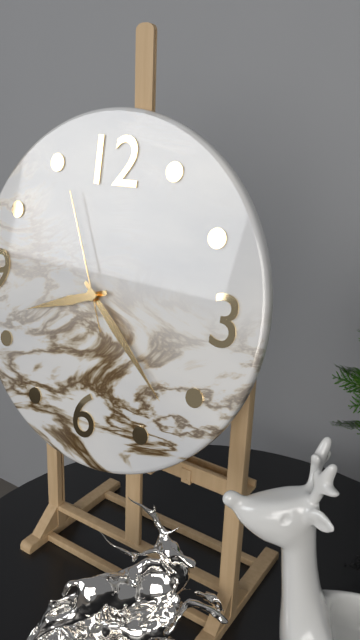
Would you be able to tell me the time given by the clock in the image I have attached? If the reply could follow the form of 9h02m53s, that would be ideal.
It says 8h22m56s
